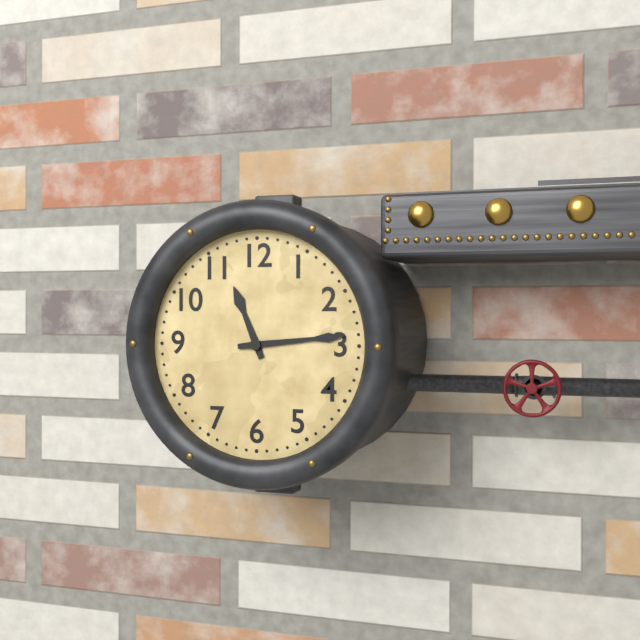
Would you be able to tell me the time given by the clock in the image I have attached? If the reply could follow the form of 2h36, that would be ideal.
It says 11h14
